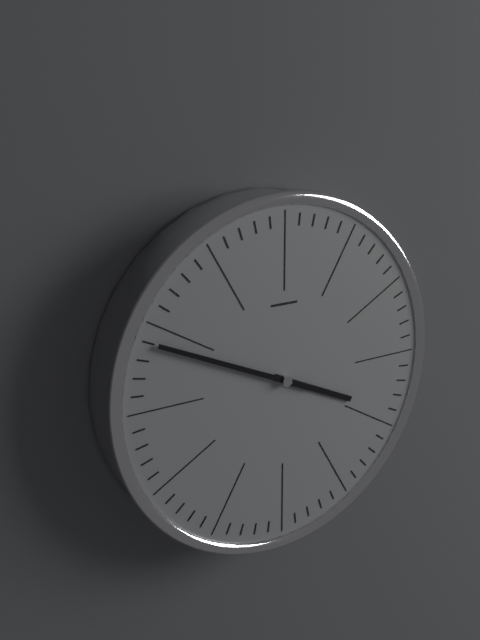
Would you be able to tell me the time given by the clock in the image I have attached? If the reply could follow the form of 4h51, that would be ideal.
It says 3h49
